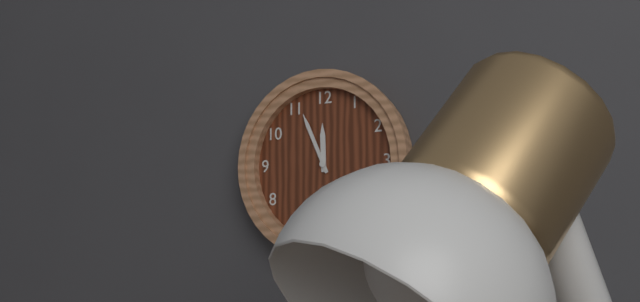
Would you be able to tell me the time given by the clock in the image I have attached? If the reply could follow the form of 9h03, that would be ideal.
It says 11h56
